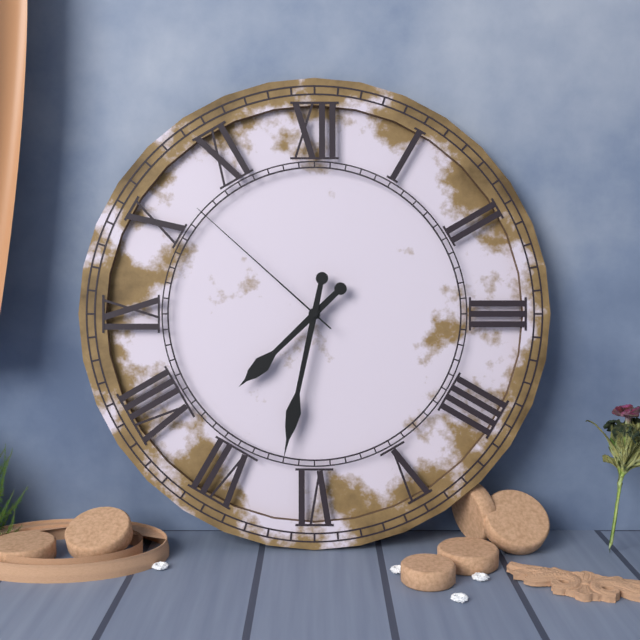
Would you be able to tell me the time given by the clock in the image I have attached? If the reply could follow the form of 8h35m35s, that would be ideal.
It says 7h32m52s
